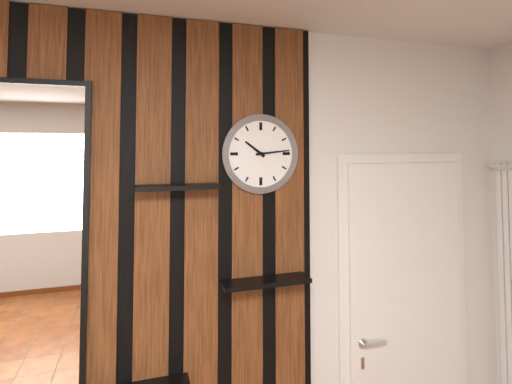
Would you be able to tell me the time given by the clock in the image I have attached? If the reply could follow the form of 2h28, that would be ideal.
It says 10h14
